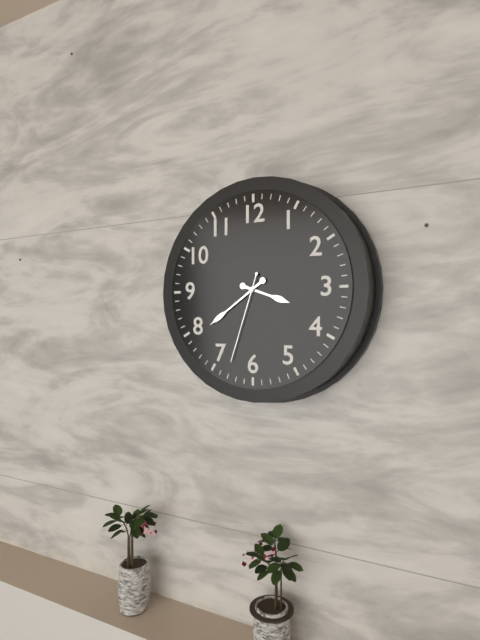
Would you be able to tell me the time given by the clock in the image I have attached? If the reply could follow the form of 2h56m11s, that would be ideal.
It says 3h39m33s
